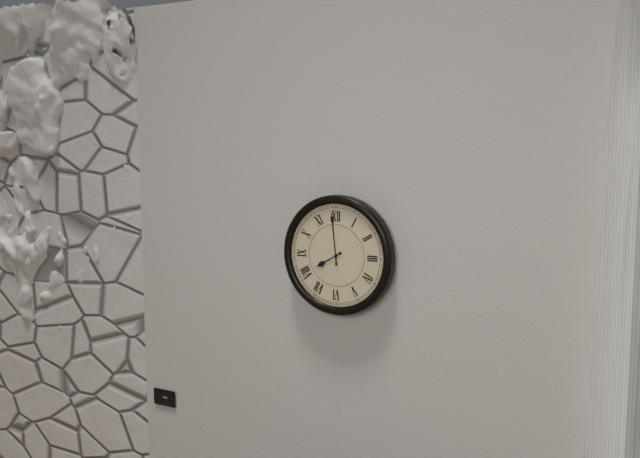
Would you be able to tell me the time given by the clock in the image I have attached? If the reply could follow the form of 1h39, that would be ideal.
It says 7h59
